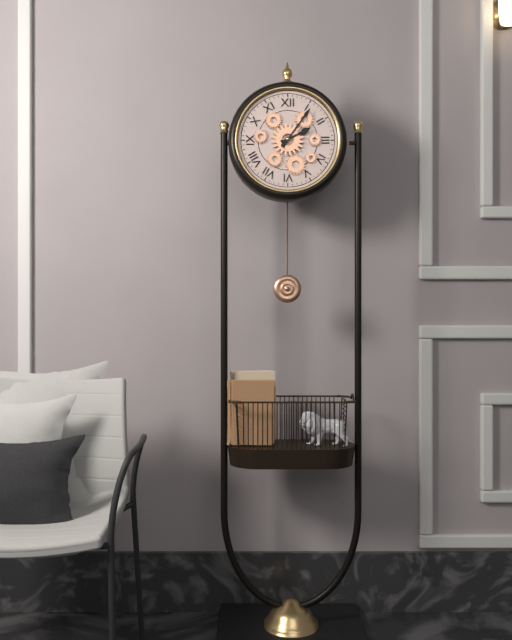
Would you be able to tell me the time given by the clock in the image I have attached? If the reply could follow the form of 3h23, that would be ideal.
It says 2h06
